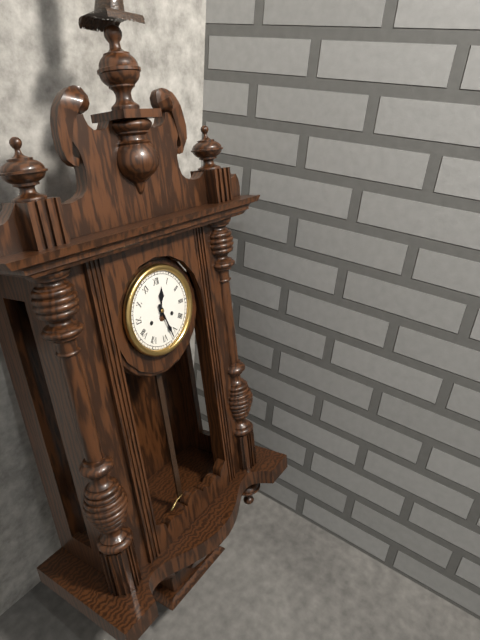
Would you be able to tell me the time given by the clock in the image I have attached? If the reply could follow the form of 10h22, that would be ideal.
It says 12h27
